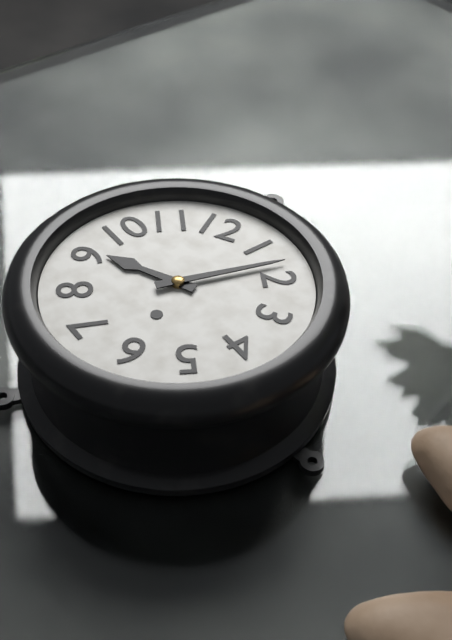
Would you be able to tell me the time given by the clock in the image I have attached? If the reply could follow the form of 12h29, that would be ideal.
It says 9h08
